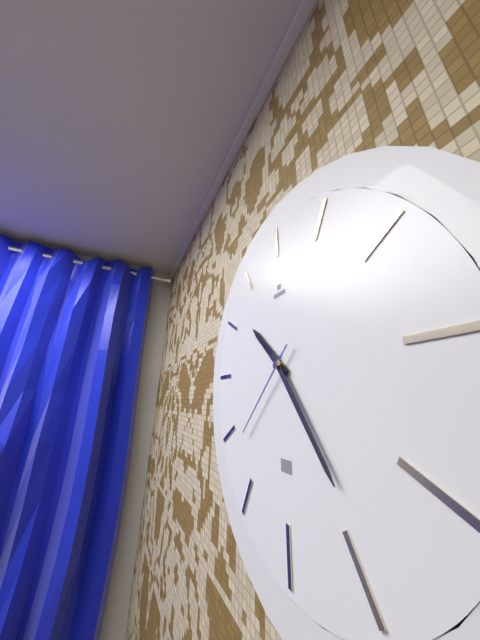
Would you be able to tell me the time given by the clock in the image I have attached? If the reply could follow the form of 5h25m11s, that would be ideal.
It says 10h24m38s
